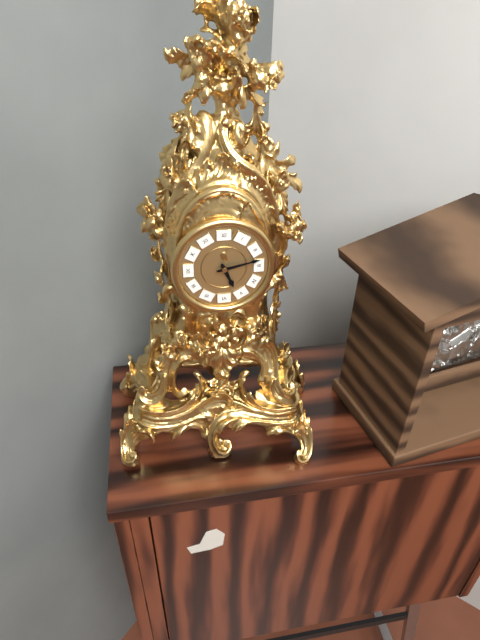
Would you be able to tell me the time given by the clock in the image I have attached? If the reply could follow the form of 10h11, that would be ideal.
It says 5h13
